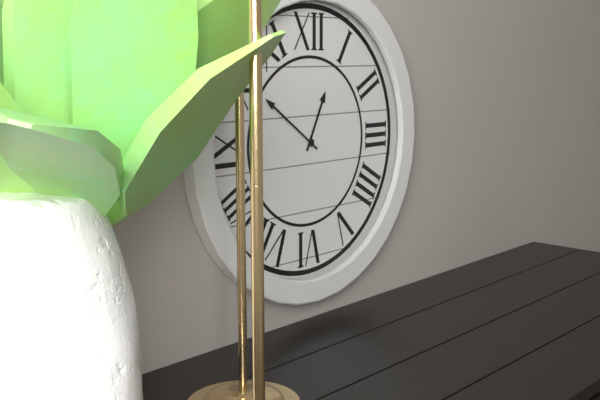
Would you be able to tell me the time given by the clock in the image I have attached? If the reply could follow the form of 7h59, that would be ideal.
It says 12h51
